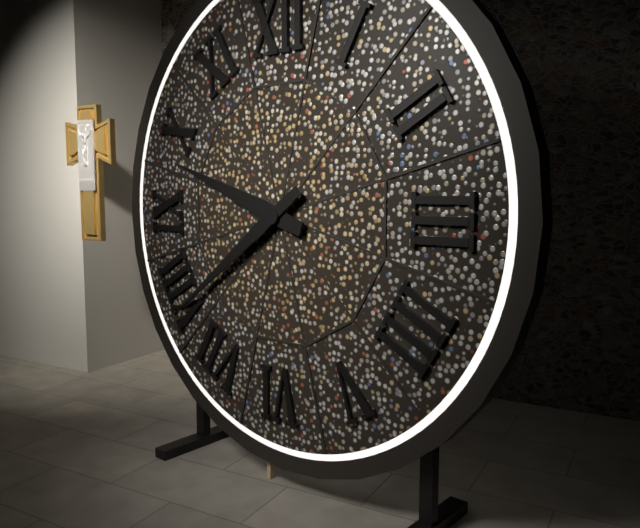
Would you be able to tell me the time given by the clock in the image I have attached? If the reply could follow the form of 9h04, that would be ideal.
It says 9h39
